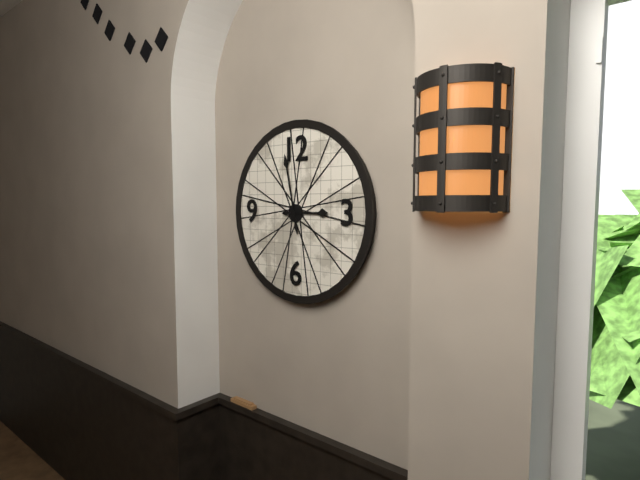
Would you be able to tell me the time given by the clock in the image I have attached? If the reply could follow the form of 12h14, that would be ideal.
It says 2h58
